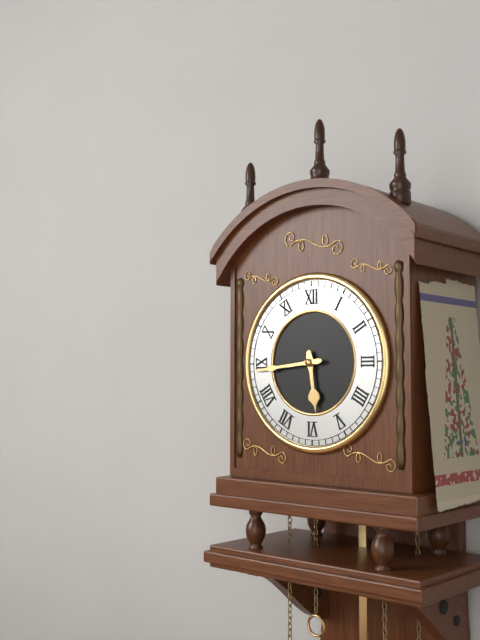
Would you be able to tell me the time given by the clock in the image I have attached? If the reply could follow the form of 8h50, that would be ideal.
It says 5h44
